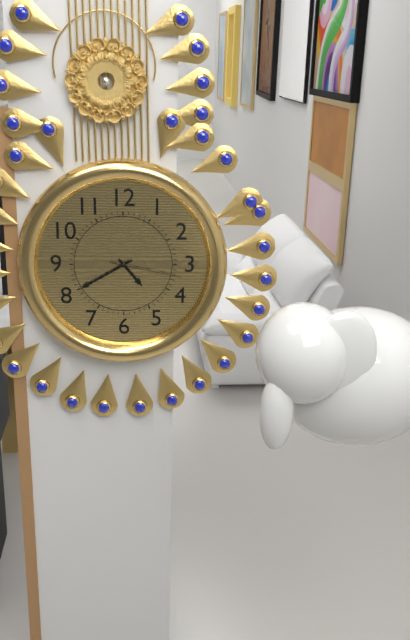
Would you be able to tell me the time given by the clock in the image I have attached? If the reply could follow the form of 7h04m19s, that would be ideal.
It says 4h40m17s
